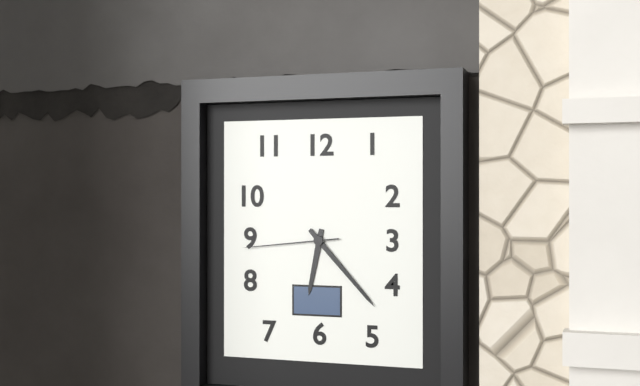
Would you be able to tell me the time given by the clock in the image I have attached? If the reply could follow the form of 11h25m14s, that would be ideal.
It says 6h23m44s
